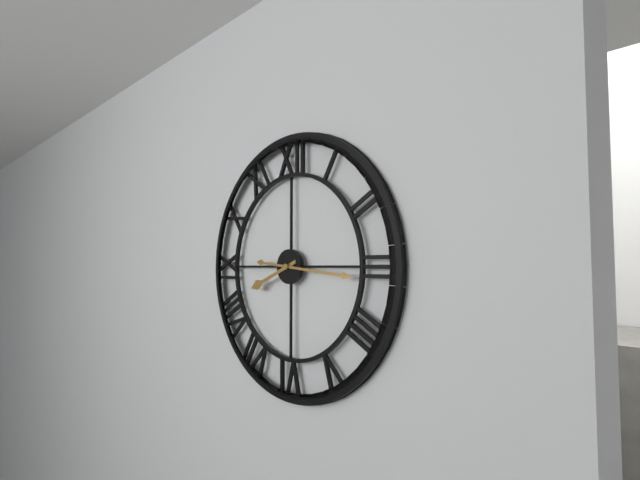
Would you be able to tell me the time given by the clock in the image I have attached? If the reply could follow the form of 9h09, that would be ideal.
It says 8h16
